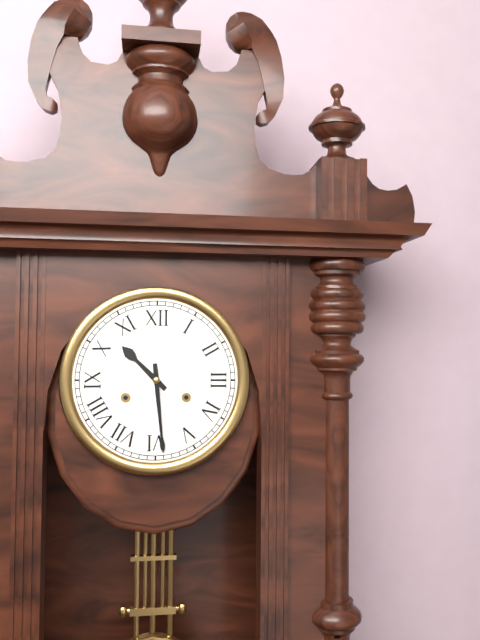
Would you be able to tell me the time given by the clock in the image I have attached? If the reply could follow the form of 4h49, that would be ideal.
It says 10h29
